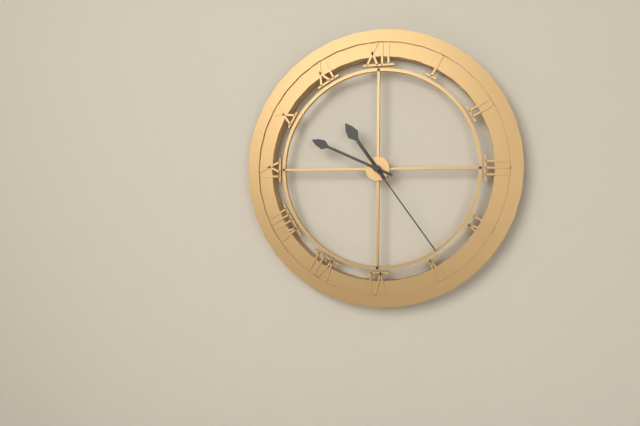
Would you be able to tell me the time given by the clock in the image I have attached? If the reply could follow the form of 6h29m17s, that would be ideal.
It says 10h49m24s
